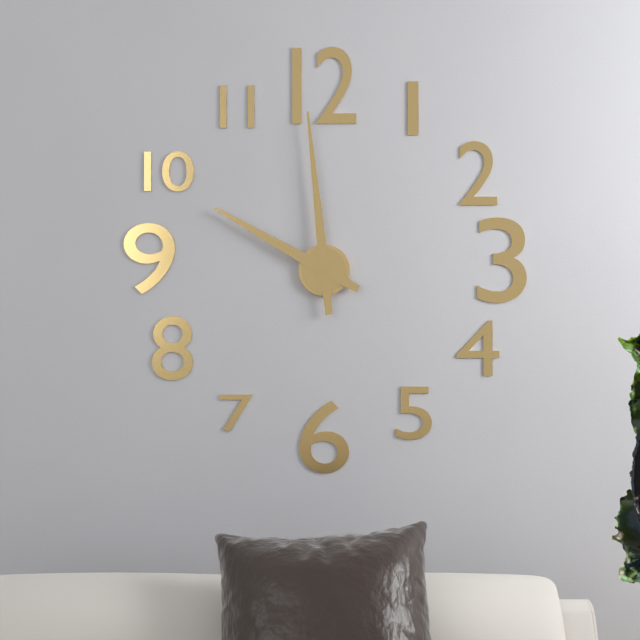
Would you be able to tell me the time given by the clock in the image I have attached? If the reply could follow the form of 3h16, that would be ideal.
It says 9h59
